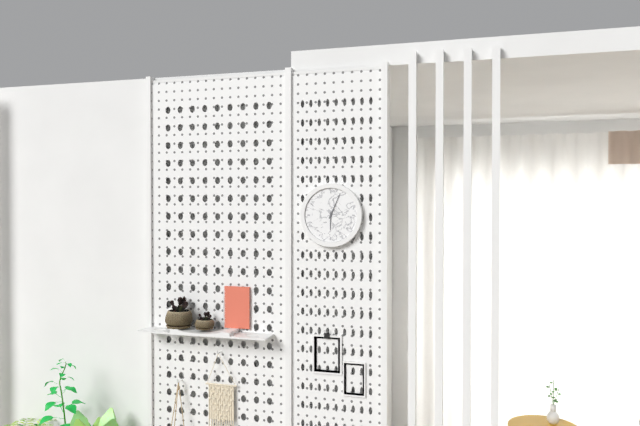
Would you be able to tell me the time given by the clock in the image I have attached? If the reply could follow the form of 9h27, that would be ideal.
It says 6h04
